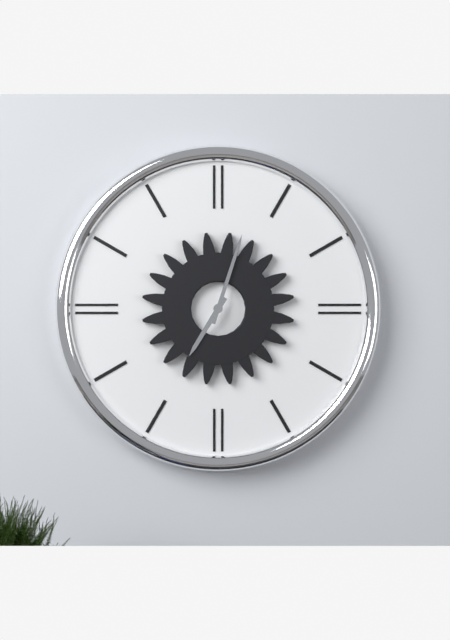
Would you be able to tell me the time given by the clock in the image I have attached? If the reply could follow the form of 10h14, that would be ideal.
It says 7h03
